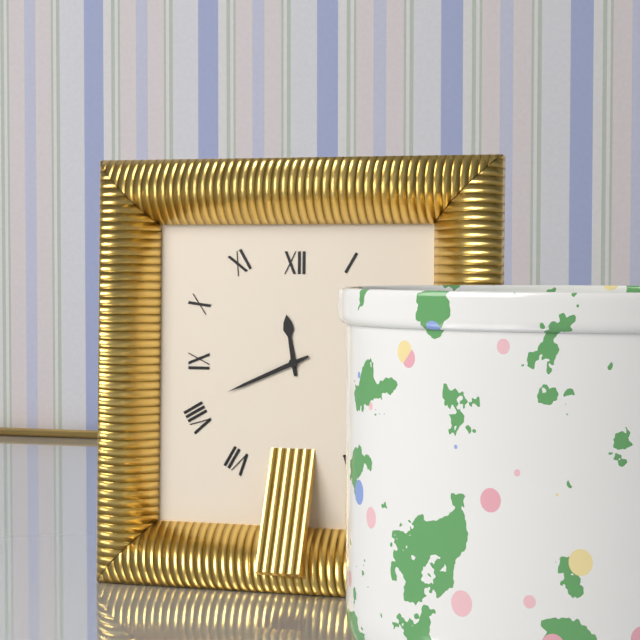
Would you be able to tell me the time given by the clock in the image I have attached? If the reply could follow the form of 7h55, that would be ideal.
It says 11h41
